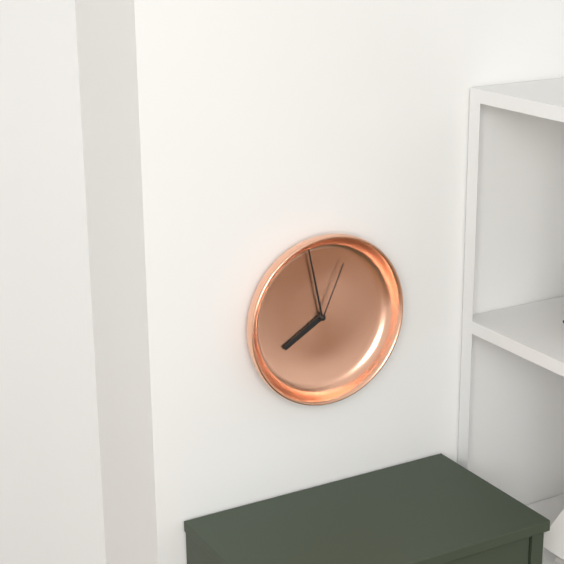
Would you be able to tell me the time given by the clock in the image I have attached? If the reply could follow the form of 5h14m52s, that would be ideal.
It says 7h58m04s
